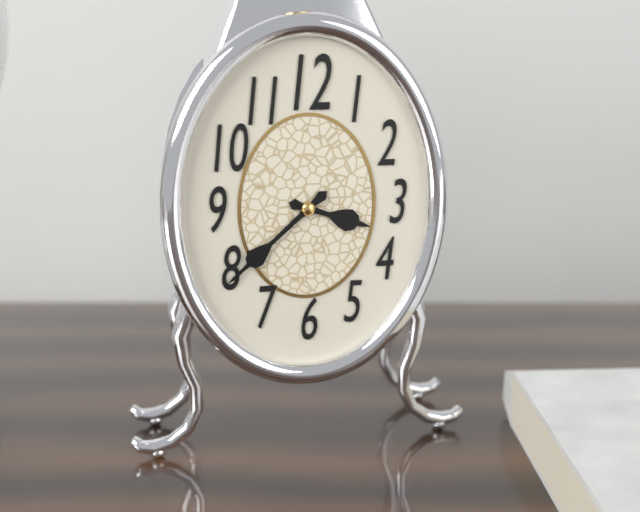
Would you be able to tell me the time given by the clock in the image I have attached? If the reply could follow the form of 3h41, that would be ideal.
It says 3h38
